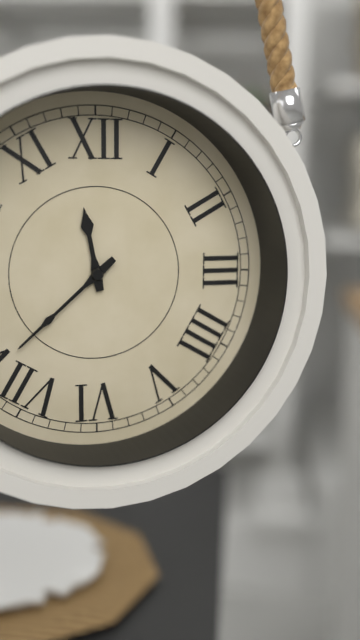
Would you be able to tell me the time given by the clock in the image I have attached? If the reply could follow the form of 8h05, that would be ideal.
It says 11h38
